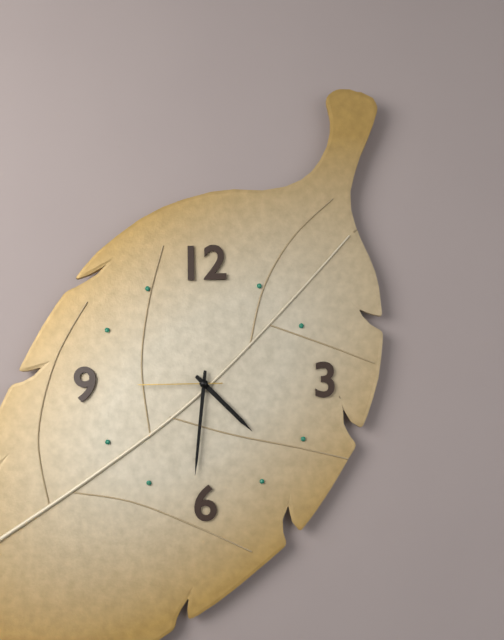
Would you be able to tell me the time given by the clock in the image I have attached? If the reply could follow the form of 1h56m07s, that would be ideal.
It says 4h31m45s
